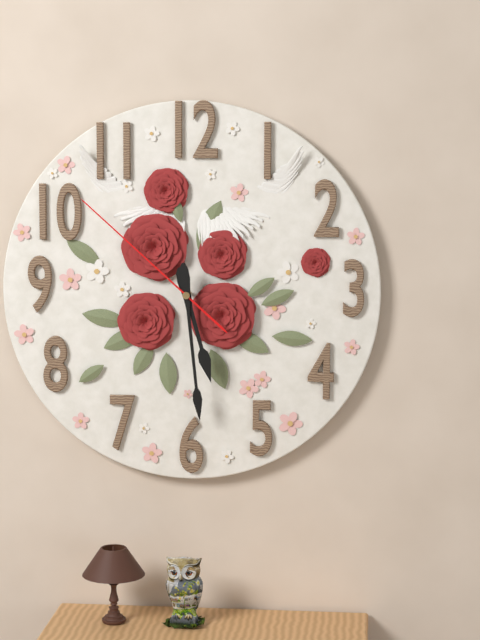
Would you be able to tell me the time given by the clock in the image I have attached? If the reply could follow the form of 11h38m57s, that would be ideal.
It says 5h29m52s
